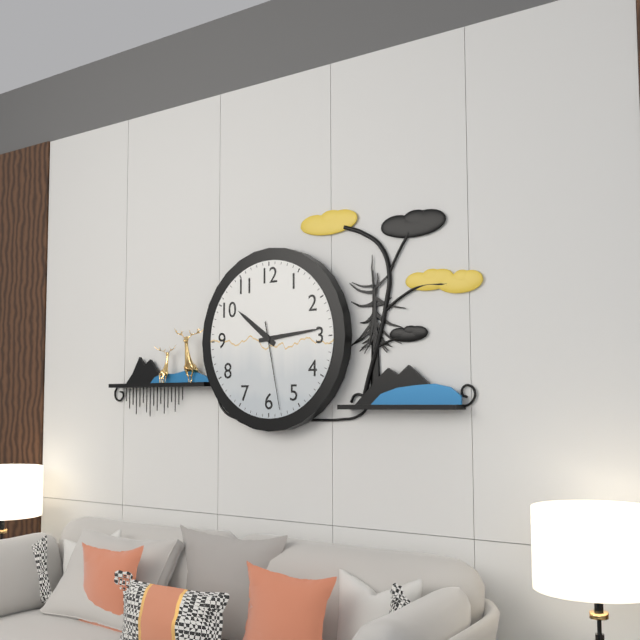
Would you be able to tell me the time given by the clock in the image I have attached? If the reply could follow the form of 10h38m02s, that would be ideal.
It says 10h14m28s
